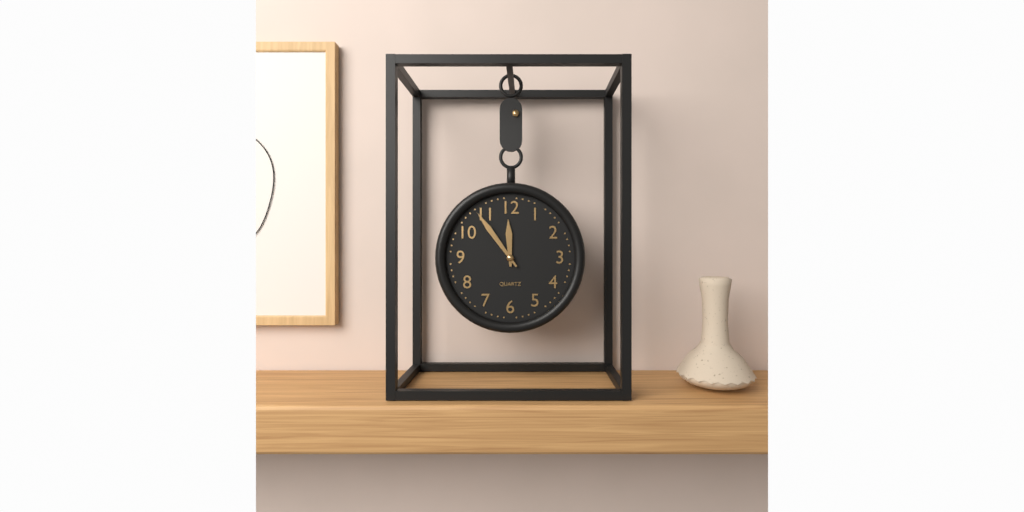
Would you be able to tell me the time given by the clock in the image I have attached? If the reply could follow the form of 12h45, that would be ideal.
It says 11h54
